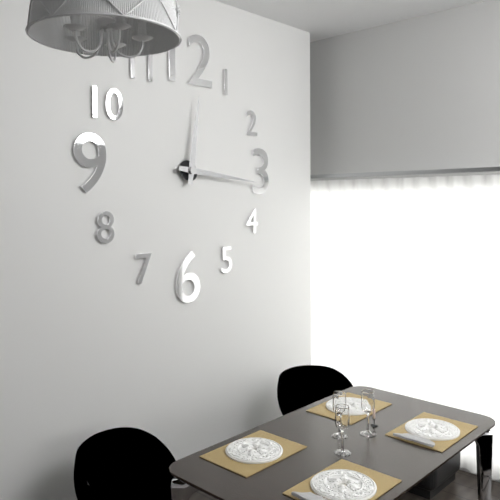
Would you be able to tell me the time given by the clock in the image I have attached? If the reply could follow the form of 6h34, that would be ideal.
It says 12h16
